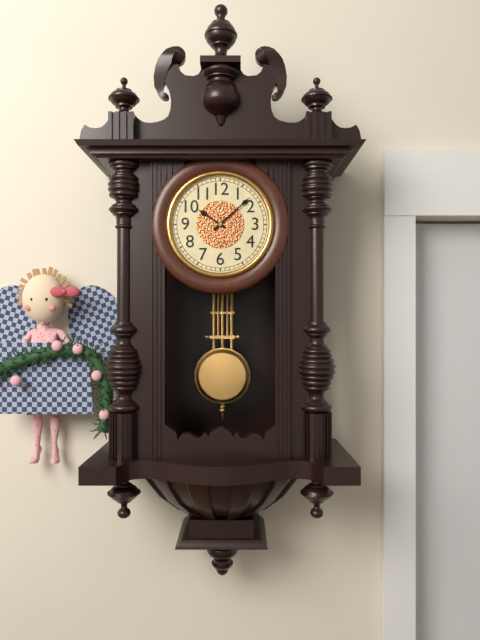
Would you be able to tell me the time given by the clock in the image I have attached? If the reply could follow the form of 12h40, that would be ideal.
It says 10h08
